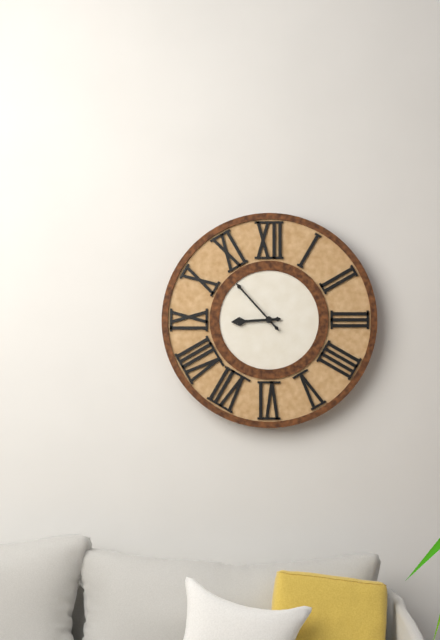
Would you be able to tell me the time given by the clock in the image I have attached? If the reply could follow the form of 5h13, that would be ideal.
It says 8h53
